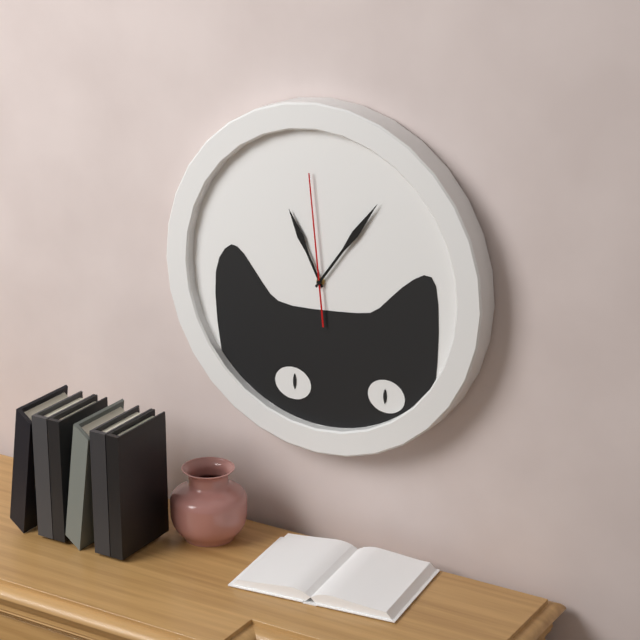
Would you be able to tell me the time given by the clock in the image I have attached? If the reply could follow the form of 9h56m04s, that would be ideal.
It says 11h06m59s
